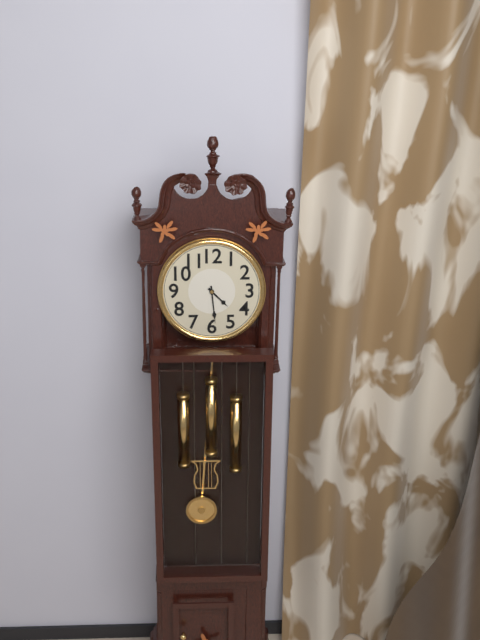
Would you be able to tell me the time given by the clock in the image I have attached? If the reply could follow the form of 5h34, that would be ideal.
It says 4h29
